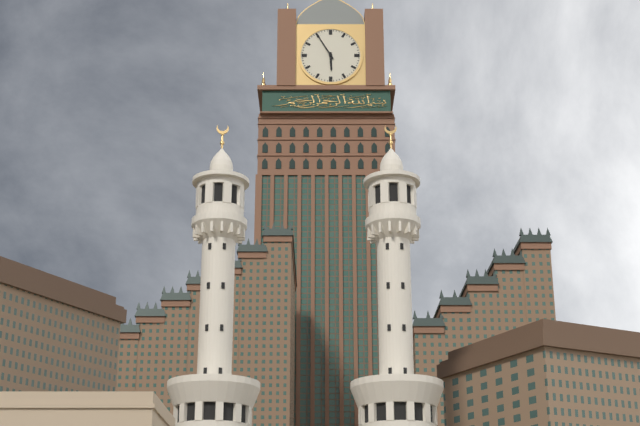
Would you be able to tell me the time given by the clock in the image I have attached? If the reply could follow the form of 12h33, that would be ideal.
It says 5h55
